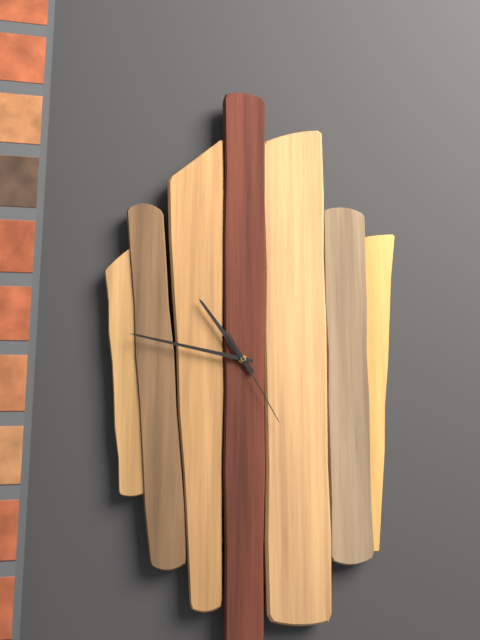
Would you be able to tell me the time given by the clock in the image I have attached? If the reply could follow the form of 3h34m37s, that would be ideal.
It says 10h47m25s
